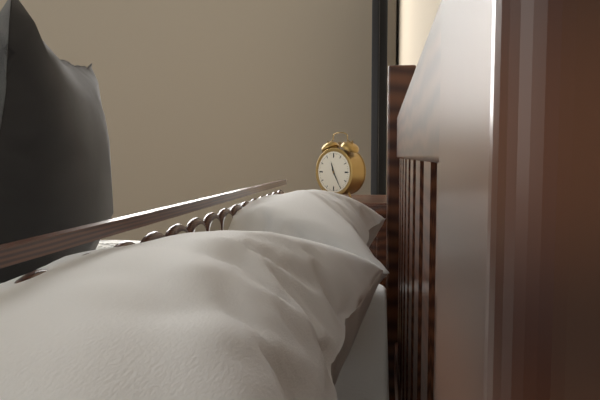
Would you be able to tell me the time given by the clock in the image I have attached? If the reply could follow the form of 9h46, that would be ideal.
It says 11h25
